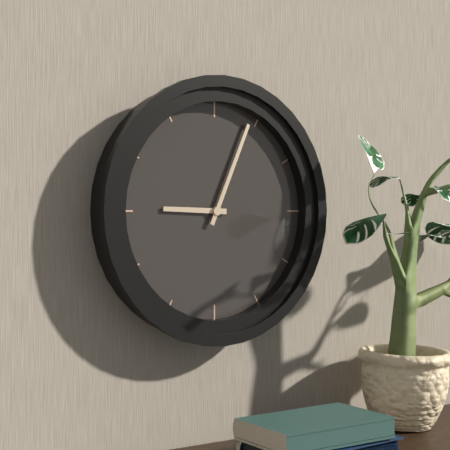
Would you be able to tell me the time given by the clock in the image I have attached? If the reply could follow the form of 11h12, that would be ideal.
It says 9h04
